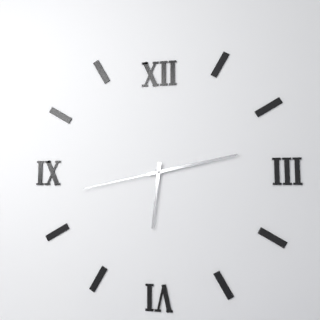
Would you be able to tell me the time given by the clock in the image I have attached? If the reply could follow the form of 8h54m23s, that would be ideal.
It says 6h13m43s
